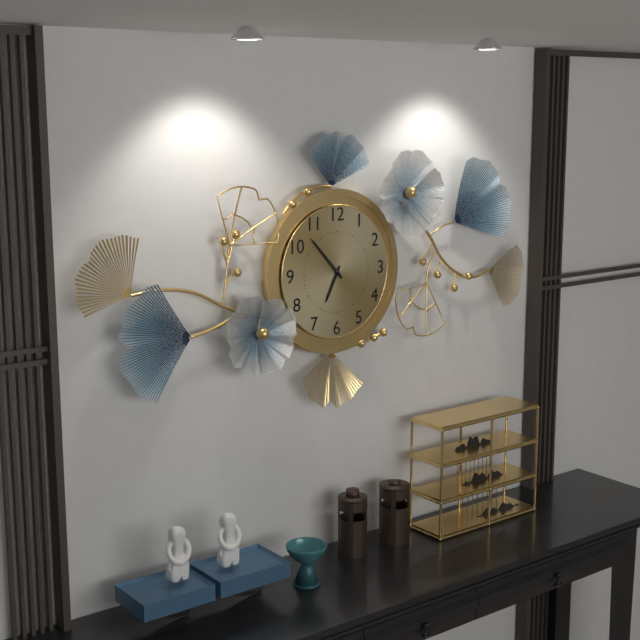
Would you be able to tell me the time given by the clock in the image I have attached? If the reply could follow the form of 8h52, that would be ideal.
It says 6h53
